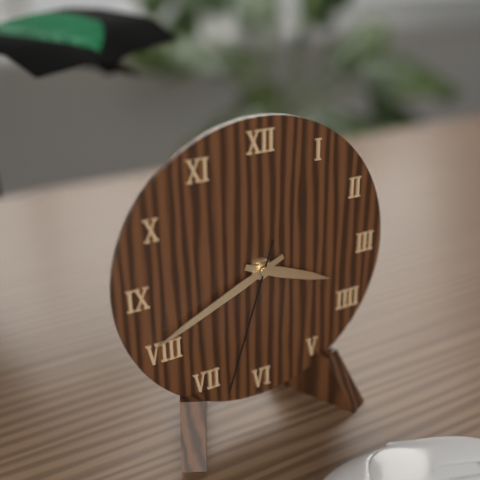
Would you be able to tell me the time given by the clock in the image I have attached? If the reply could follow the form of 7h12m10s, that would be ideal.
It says 3h41m33s
